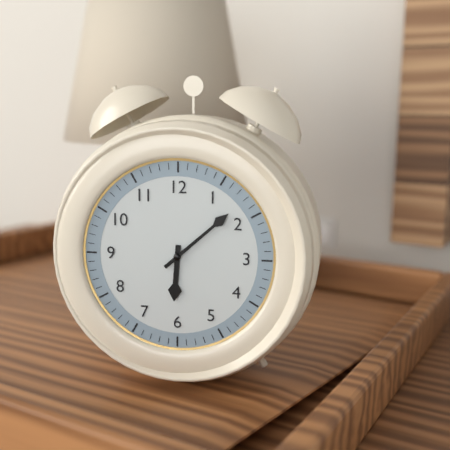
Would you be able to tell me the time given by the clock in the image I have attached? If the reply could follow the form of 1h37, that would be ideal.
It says 6h08
